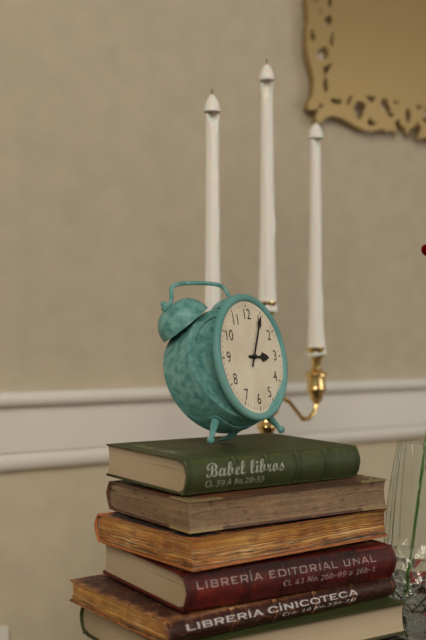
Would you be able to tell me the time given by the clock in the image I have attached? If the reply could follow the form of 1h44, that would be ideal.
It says 3h05
